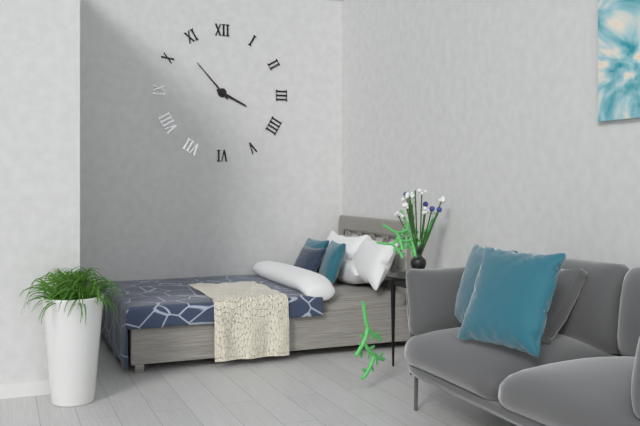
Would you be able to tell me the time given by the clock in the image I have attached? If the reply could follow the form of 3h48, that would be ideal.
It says 3h53
